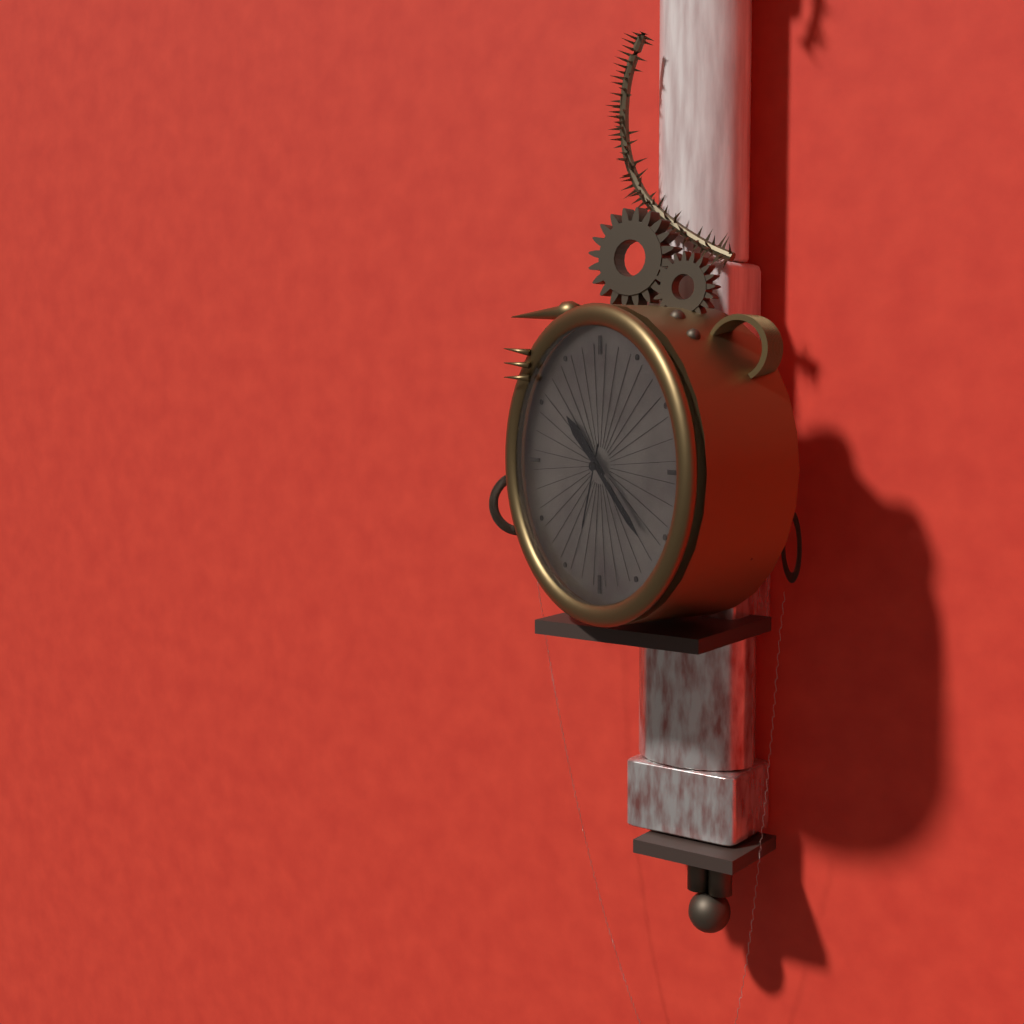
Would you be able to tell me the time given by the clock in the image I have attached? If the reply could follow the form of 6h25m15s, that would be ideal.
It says 10h22m33s
